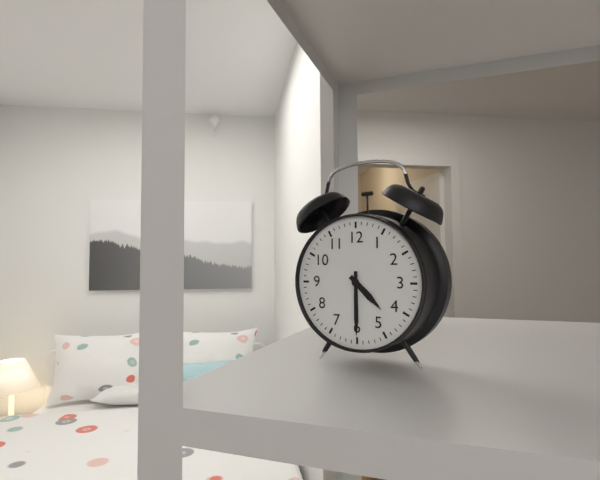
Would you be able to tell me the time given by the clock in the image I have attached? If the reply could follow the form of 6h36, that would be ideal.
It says 4h30
